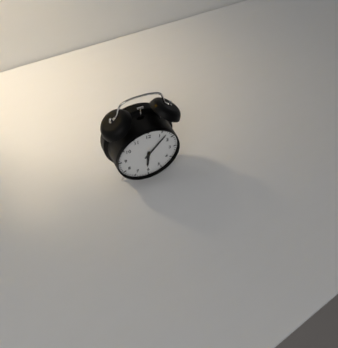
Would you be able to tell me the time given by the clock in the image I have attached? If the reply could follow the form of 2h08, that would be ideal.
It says 6h07
